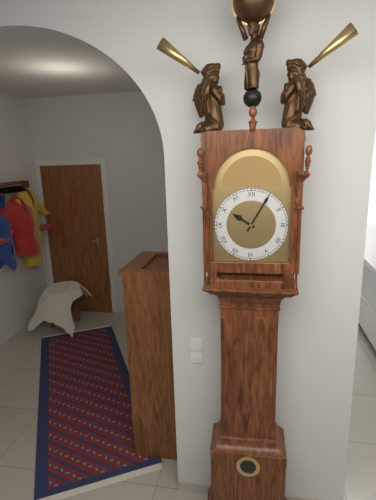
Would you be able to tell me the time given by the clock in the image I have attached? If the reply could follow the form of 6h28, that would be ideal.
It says 10h05
